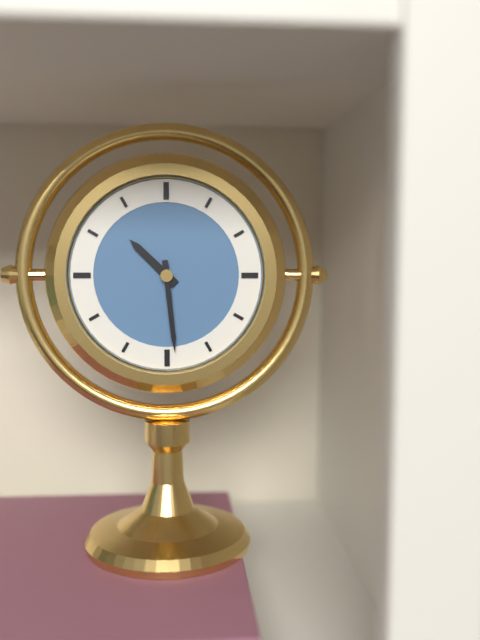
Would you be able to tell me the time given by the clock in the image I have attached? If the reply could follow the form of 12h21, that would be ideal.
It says 10h29
